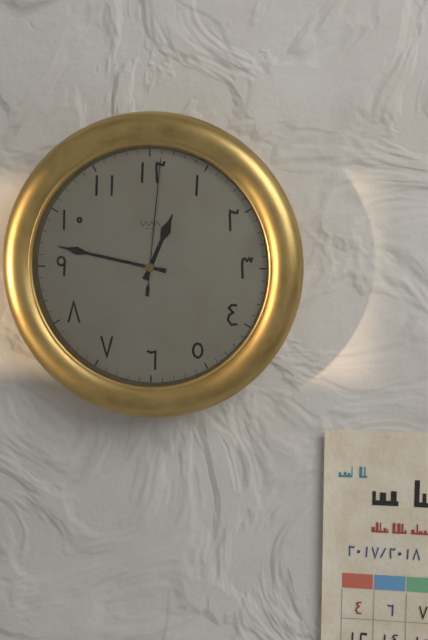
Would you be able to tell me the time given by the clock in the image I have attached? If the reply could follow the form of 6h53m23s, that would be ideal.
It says 12h47m01s
